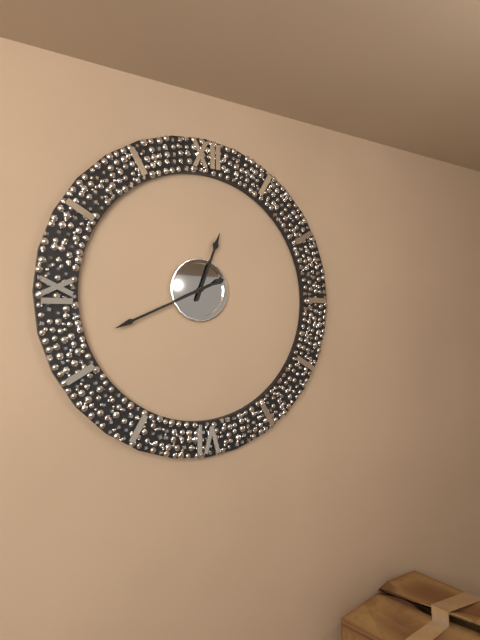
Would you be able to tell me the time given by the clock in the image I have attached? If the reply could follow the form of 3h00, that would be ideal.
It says 12h41
